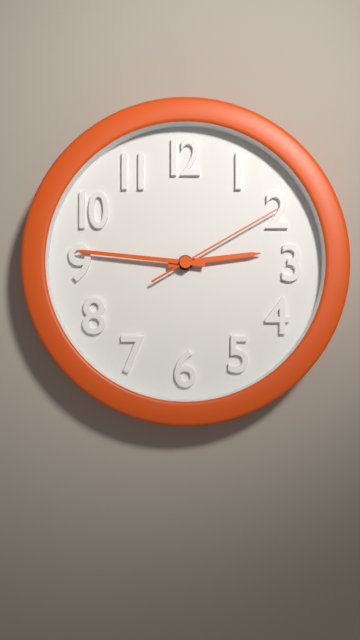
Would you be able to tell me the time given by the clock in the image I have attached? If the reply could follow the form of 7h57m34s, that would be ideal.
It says 2h46m10s
